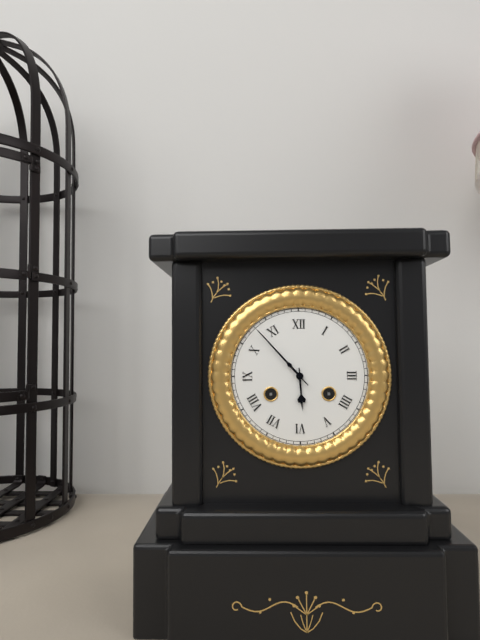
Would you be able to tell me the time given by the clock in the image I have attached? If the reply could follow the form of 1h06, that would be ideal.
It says 5h53
